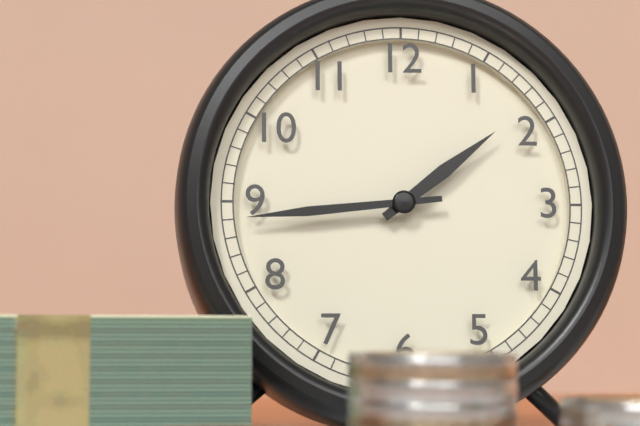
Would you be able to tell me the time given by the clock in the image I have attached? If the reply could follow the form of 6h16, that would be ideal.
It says 1h44
